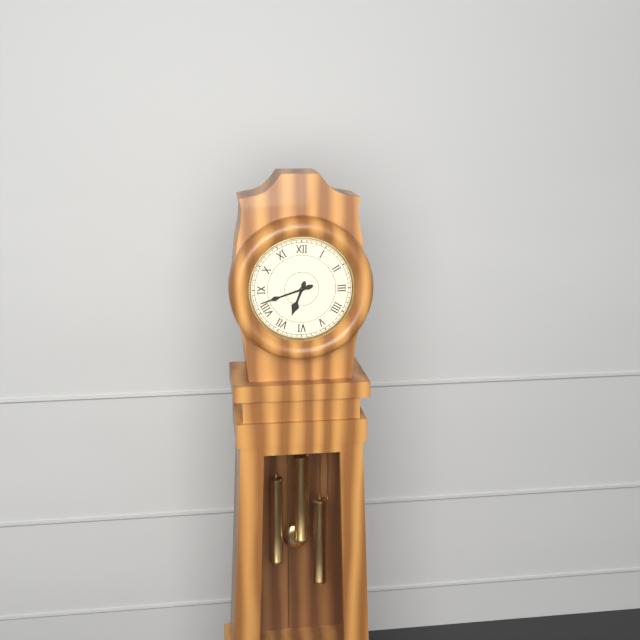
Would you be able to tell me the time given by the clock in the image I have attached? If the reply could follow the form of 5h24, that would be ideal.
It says 6h42
